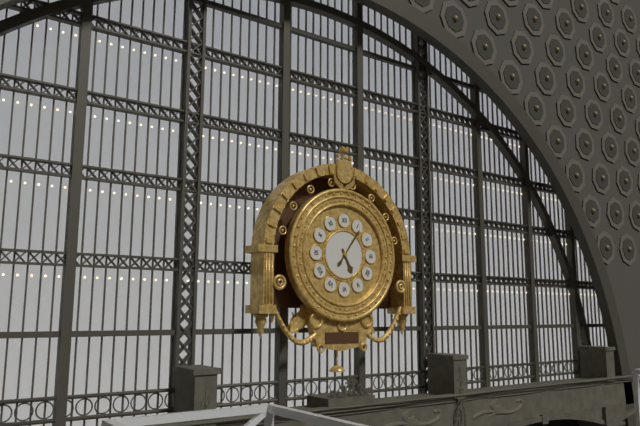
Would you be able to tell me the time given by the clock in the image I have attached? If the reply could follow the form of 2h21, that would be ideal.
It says 5h06
